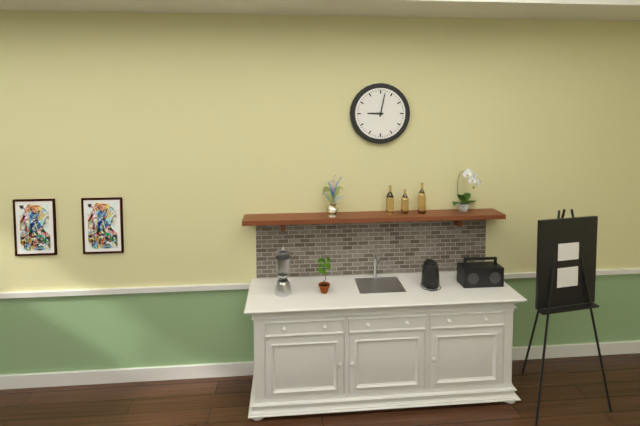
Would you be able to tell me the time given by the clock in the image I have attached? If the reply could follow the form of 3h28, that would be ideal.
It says 9h02
